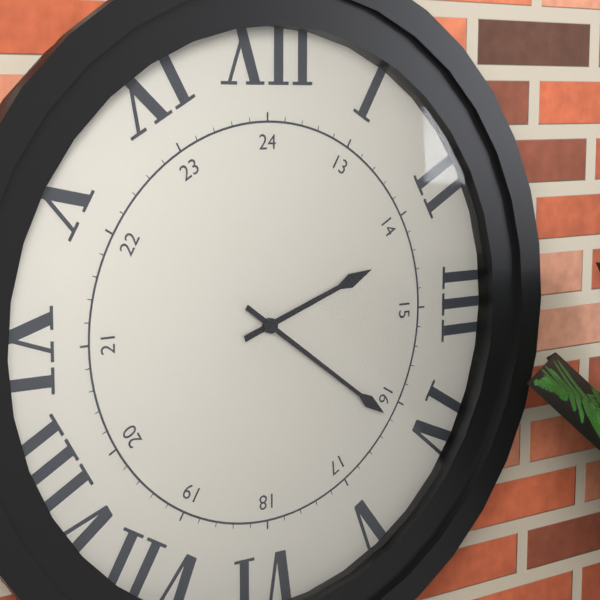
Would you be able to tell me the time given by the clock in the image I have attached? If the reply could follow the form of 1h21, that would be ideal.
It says 2h21
